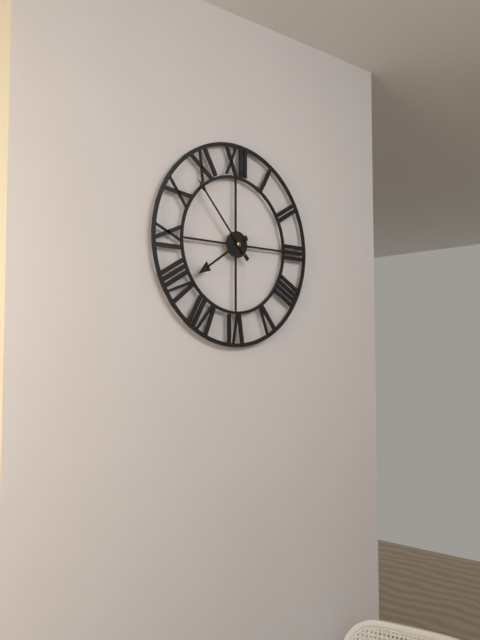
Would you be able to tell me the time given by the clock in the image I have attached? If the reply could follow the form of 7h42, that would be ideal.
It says 7h53
